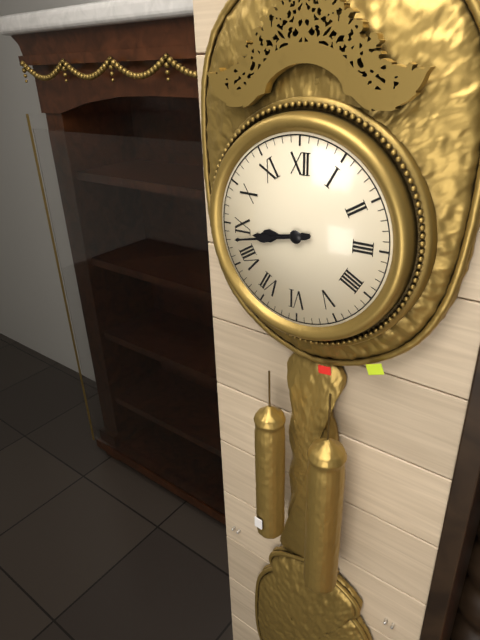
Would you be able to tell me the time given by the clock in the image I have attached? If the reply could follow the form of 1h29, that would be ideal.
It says 8h43
